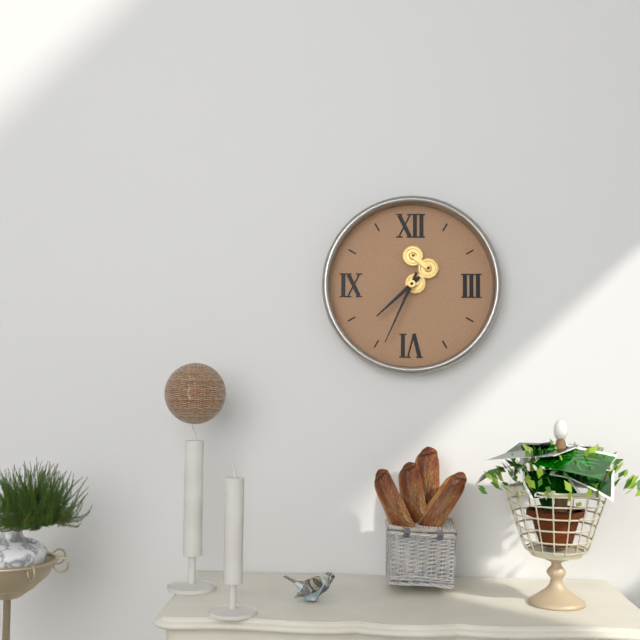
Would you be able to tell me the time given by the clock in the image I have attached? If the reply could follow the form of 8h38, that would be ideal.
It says 7h34
